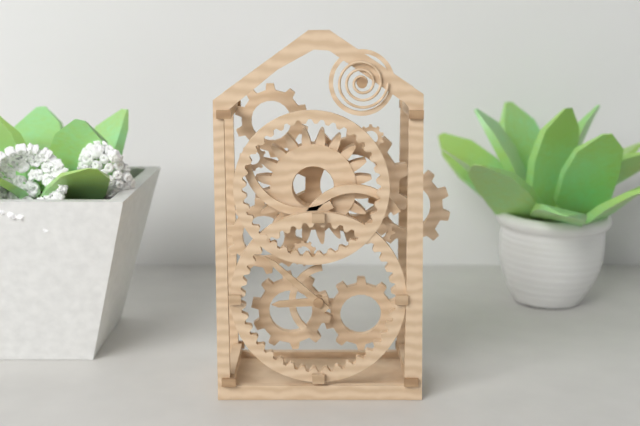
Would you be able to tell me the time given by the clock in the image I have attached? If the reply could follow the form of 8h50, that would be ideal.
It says 8h52
